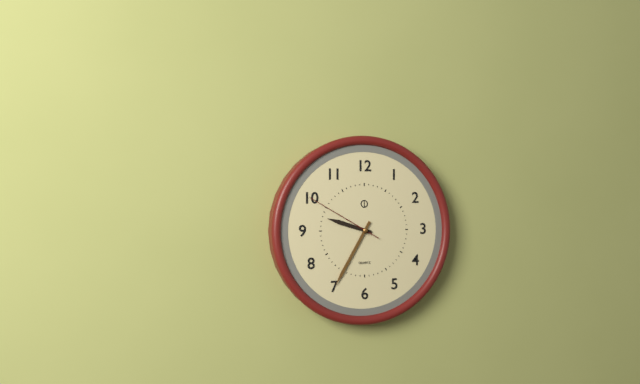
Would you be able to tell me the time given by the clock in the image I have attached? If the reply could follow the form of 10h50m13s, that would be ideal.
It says 9h35m50s
